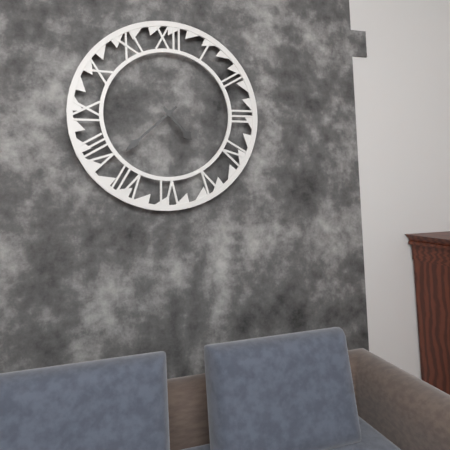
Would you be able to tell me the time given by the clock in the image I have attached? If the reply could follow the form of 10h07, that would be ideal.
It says 4h38
